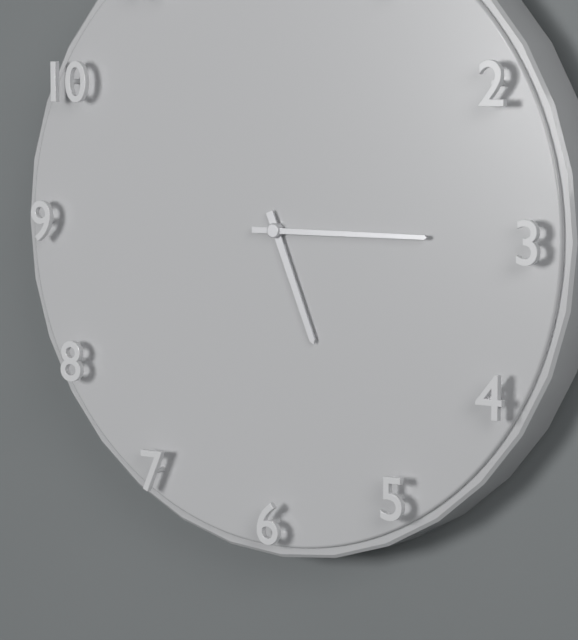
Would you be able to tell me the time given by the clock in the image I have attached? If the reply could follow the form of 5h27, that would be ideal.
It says 5h15
